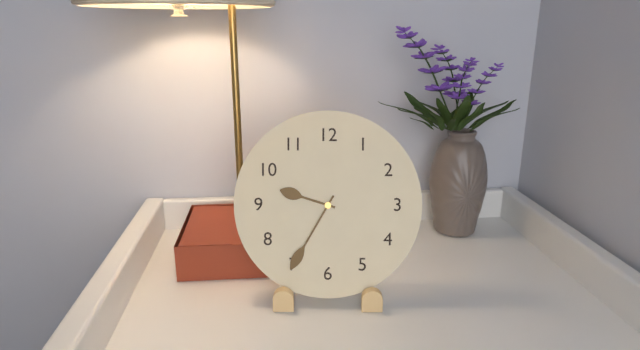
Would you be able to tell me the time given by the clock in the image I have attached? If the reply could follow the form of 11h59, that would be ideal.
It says 9h35
